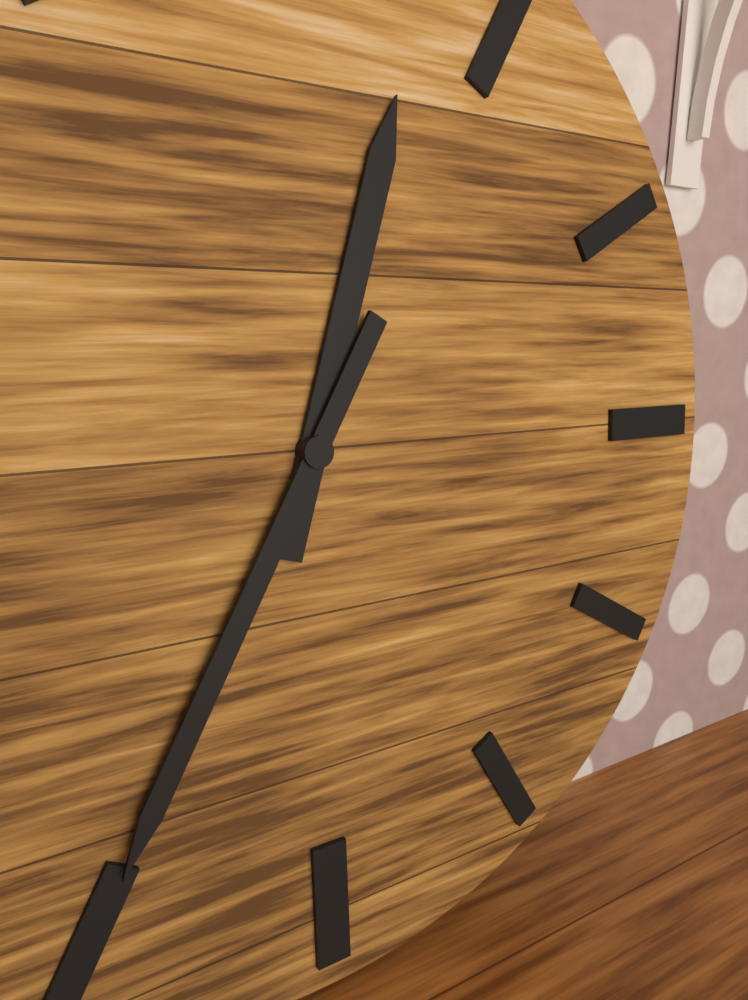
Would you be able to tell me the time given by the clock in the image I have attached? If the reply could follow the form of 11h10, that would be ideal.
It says 12h35
